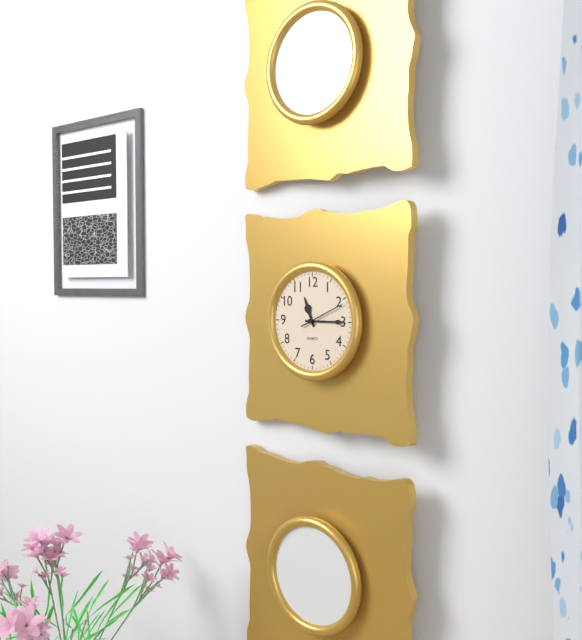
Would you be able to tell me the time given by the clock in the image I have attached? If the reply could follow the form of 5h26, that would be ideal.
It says 11h15
